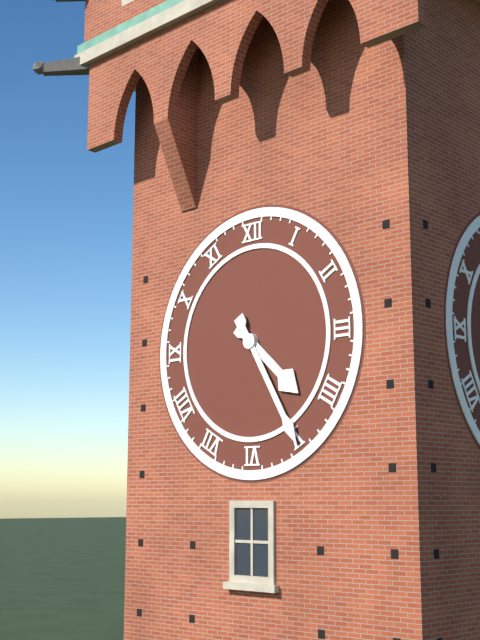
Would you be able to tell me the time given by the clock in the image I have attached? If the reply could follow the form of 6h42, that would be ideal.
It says 4h25
